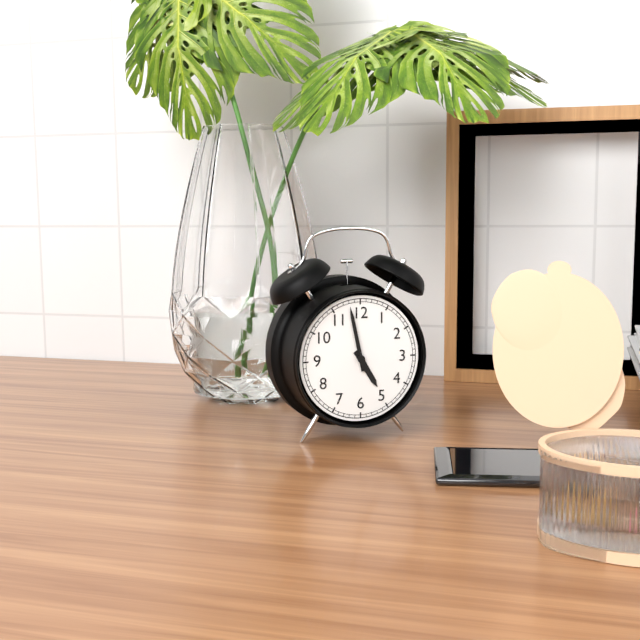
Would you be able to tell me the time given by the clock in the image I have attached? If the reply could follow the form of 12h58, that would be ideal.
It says 4h58
